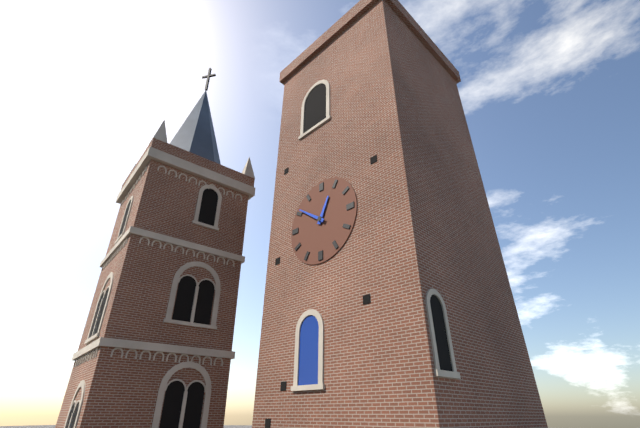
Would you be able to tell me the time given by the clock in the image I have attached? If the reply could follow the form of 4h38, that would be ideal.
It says 12h51
